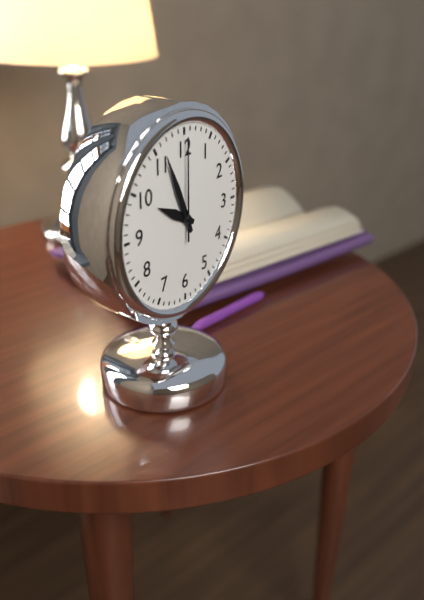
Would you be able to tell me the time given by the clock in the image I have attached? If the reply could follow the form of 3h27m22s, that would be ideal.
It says 9h56m00s
